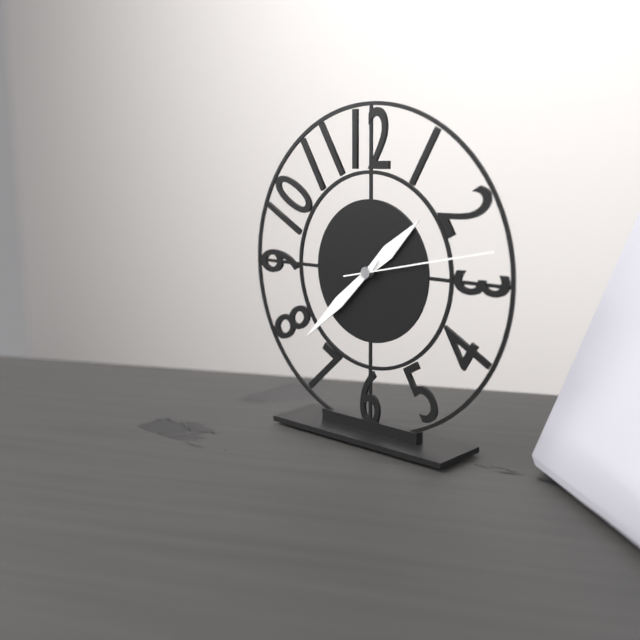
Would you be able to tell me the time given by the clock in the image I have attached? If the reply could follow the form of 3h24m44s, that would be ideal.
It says 1h38m13s
